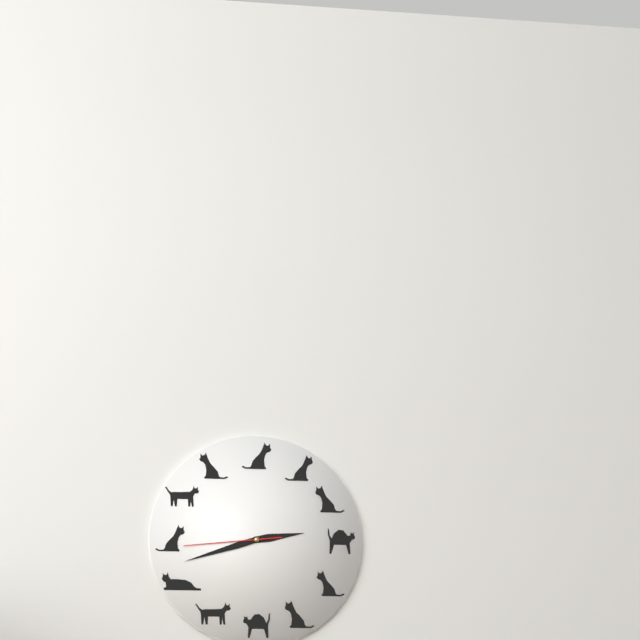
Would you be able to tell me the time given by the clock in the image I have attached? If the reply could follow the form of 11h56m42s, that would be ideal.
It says 2h42m44s
